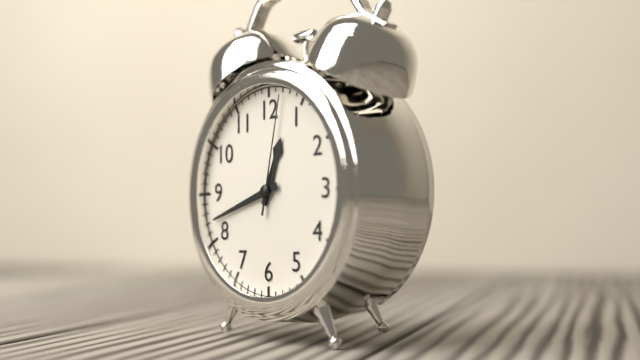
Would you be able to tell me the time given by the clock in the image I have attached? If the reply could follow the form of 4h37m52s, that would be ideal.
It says 12h42m02s
